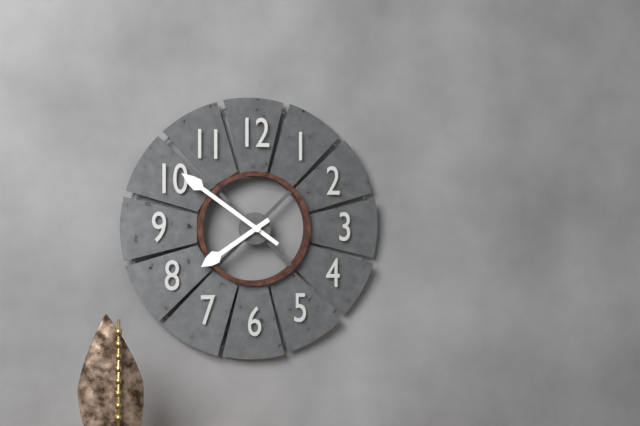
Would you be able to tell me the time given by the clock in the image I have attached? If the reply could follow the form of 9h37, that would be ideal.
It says 7h51
